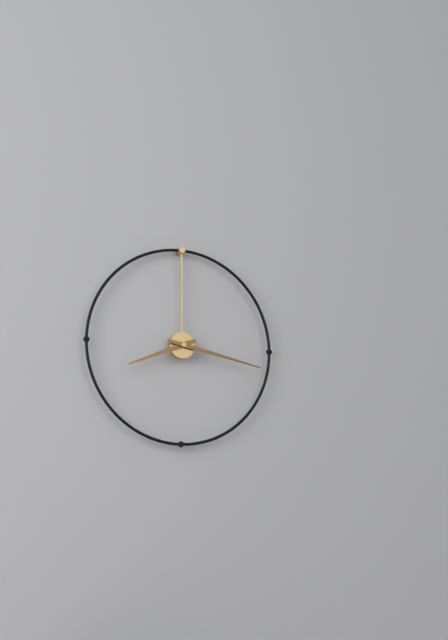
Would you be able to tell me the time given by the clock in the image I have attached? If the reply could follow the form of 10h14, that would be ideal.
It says 8h17
